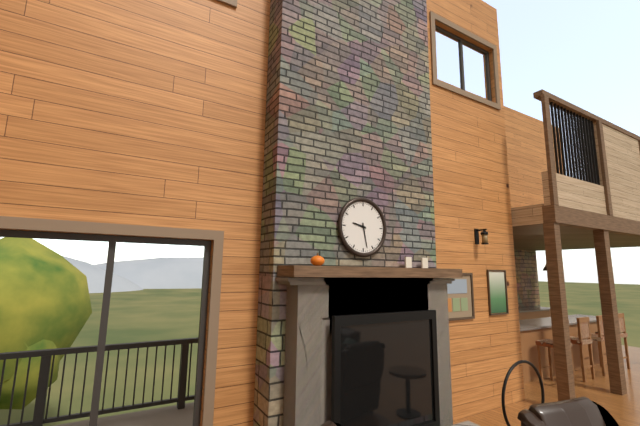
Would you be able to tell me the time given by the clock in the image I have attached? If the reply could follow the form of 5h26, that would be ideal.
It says 9h28
